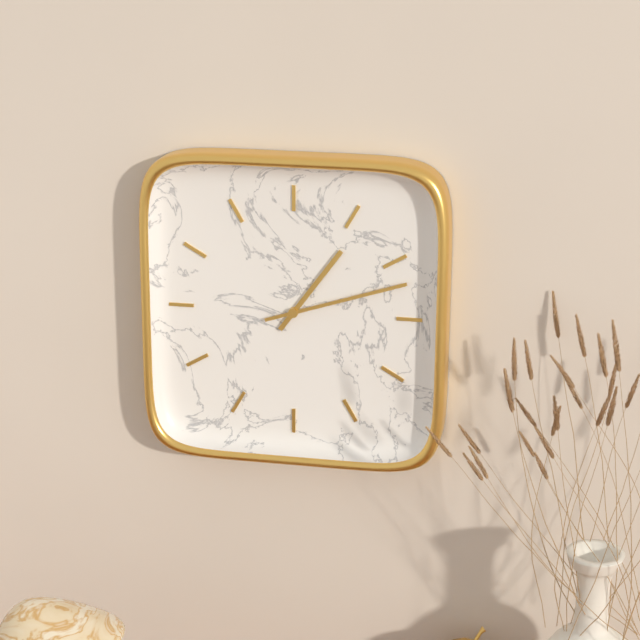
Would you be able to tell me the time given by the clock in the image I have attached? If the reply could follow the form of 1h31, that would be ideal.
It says 1h12
